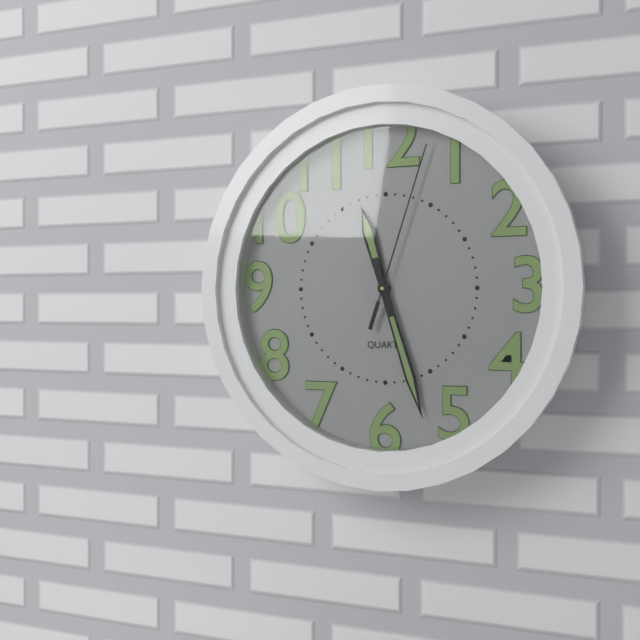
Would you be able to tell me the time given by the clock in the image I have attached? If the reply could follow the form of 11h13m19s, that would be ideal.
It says 11h27m03s
